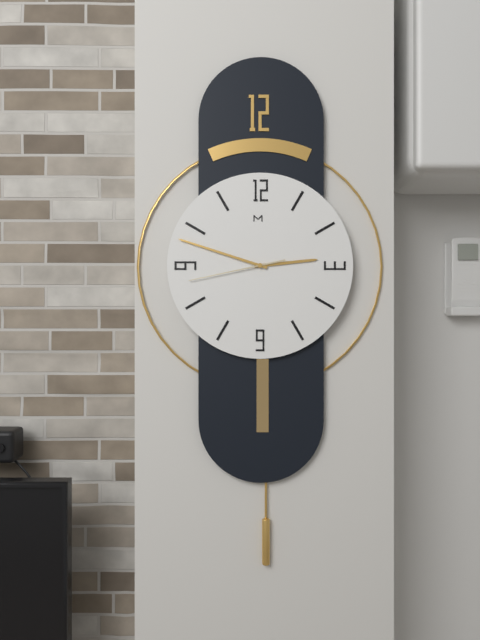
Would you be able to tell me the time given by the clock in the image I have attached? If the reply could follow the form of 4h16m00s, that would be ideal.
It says 2h48m43s
